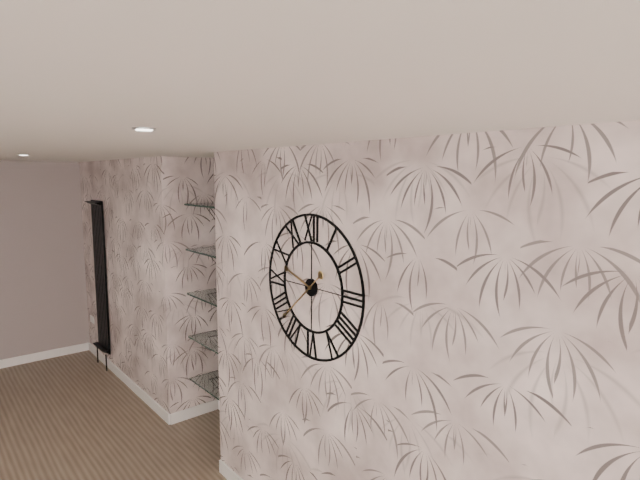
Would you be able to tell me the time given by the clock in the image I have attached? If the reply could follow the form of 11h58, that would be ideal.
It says 9h38
